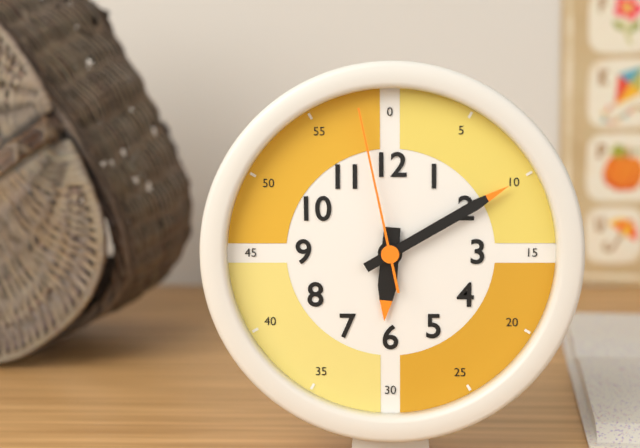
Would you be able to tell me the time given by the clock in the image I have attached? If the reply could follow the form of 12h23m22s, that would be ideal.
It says 6h10m58s
